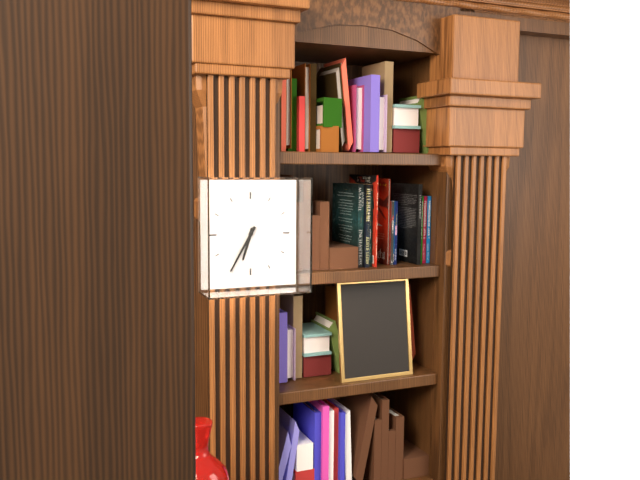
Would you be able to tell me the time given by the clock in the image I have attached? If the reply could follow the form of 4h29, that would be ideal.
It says 6h35
